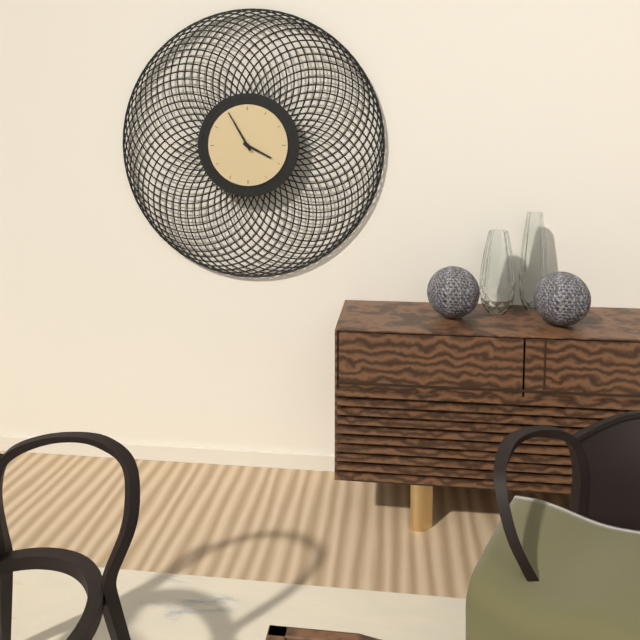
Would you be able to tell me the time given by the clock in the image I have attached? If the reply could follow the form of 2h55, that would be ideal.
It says 3h55
